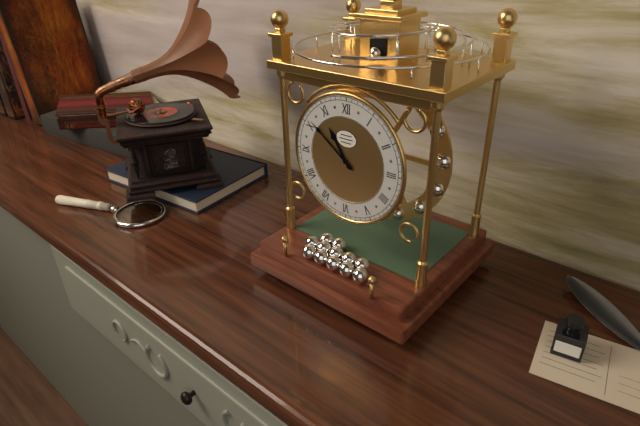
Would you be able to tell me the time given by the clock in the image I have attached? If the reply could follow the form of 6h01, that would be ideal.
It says 10h51
